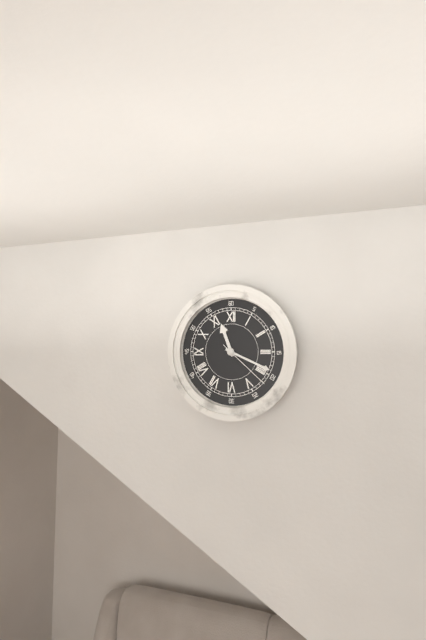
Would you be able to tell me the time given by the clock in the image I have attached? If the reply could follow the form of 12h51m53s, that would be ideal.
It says 11h19m22s
